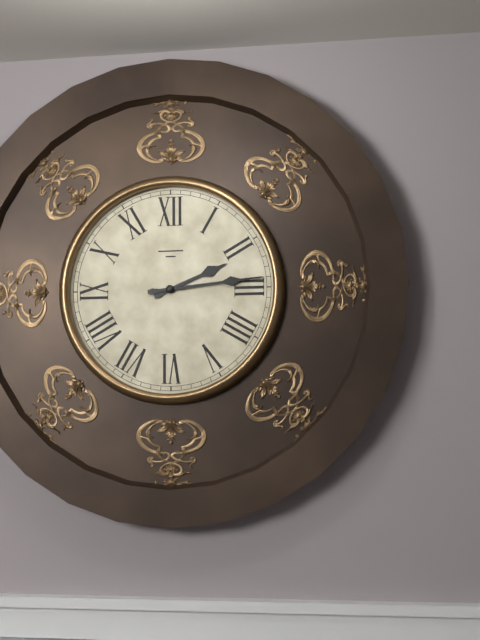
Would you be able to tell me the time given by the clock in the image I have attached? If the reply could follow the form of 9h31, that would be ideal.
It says 2h14
